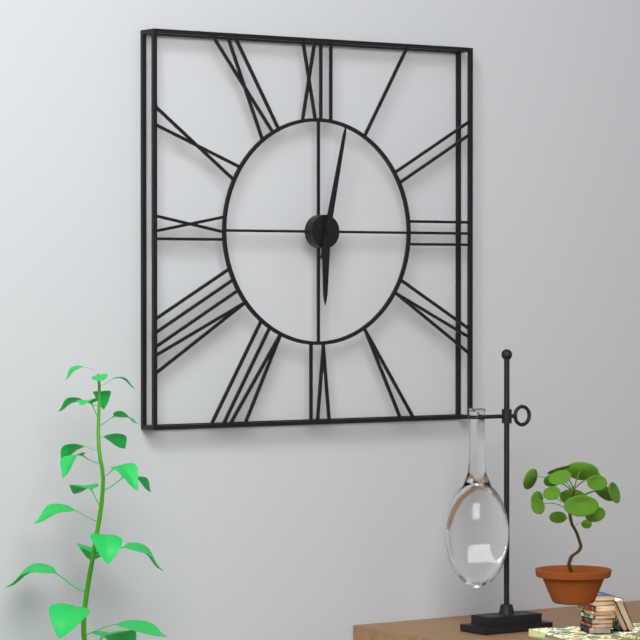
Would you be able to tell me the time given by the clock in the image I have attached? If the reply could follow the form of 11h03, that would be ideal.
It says 6h02
